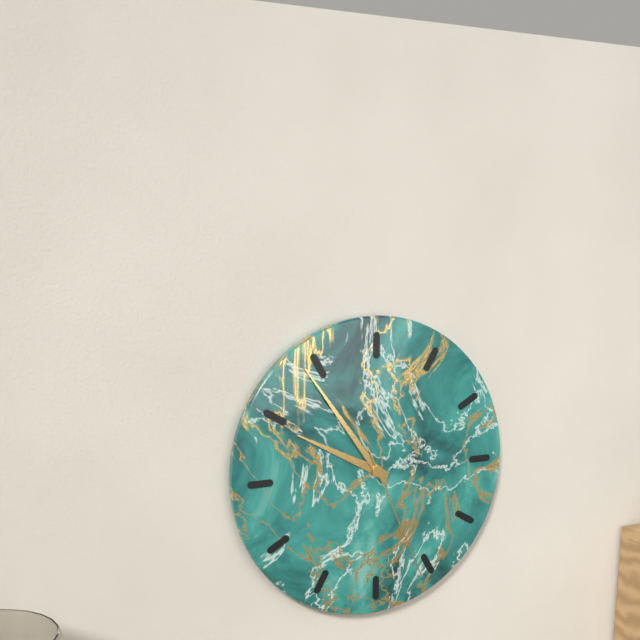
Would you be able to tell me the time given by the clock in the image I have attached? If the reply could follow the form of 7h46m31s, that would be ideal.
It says 9h54m26s
